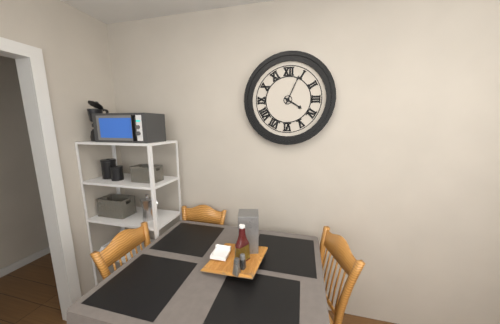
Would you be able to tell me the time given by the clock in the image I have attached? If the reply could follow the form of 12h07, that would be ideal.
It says 4h04
